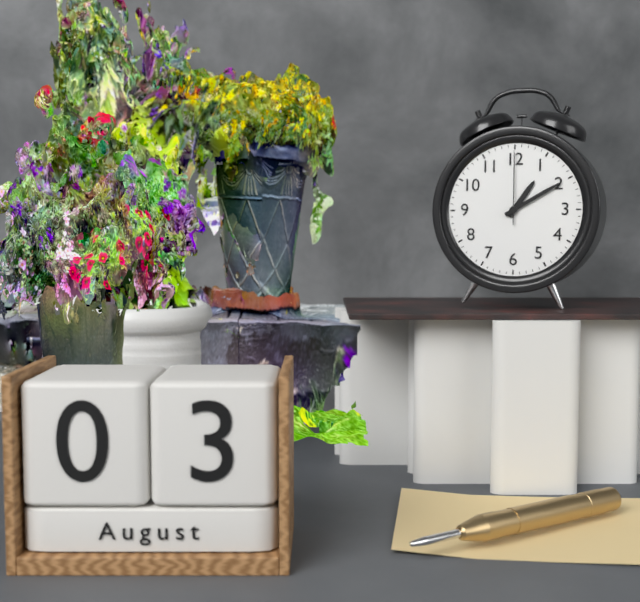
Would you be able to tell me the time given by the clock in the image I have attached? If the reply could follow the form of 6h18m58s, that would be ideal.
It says 1h10m00s
